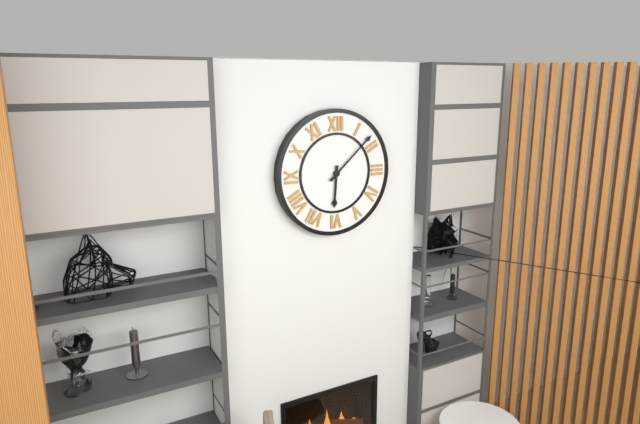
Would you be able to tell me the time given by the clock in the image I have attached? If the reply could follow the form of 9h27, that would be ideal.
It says 6h08
